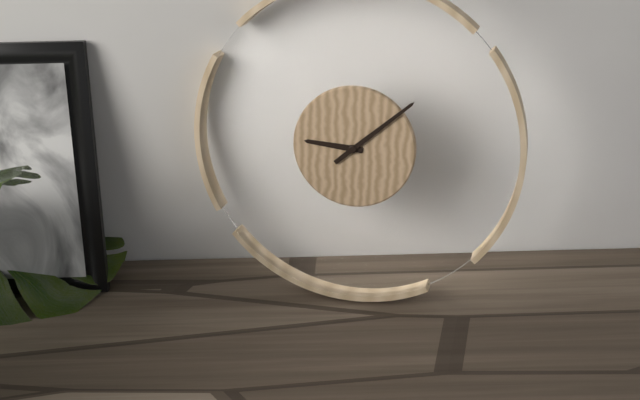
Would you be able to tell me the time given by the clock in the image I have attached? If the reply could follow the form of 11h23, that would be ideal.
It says 9h08
